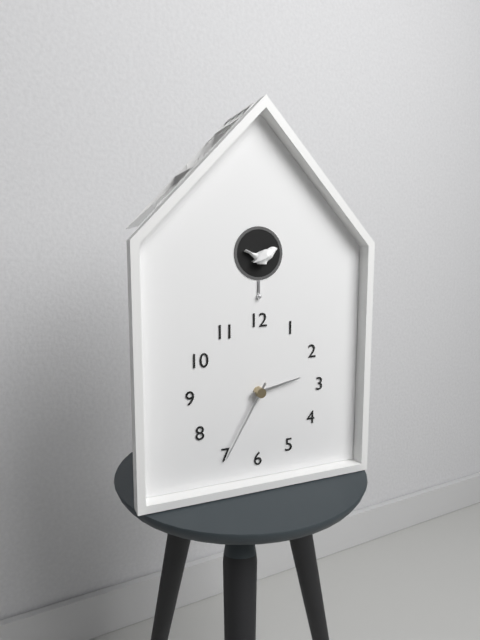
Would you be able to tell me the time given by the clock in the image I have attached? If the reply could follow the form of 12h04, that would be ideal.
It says 2h35
